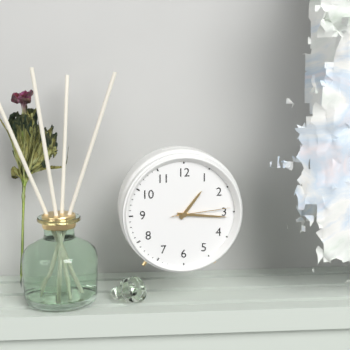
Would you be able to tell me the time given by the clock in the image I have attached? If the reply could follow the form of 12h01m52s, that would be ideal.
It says 1h16m14s
